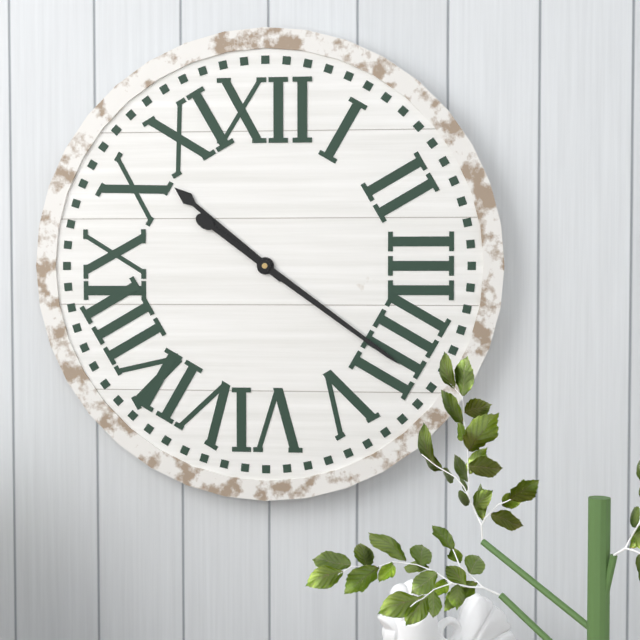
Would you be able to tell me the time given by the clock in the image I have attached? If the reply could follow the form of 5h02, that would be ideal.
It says 10h21
